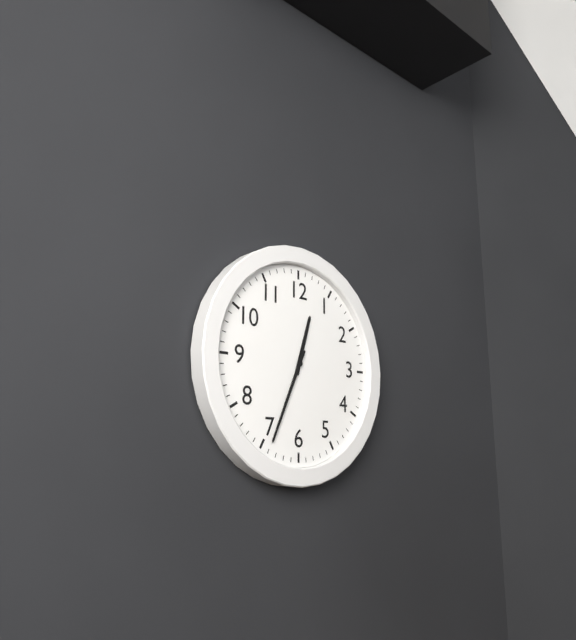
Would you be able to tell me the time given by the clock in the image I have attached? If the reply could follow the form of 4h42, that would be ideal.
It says 12h34
